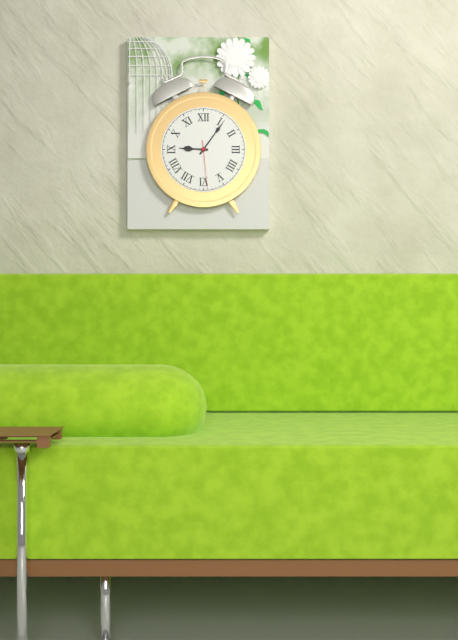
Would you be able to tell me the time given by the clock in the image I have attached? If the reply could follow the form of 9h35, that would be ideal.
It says 9h06
